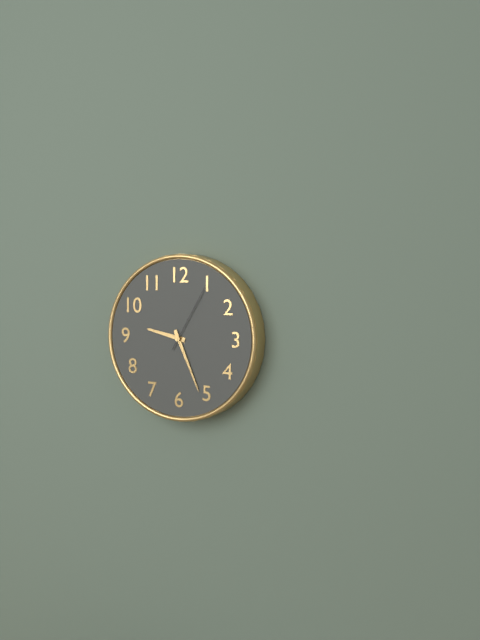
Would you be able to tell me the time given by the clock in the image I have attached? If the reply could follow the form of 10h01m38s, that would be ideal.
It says 9h26m05s
